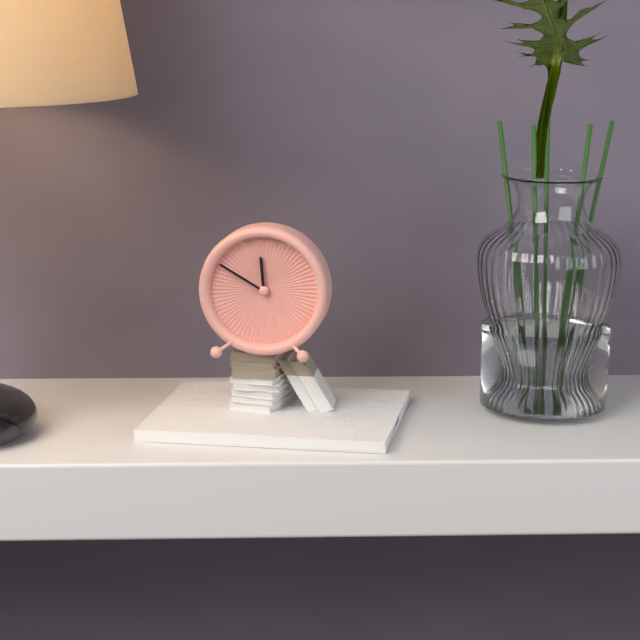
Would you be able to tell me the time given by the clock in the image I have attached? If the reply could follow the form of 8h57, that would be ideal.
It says 11h50
